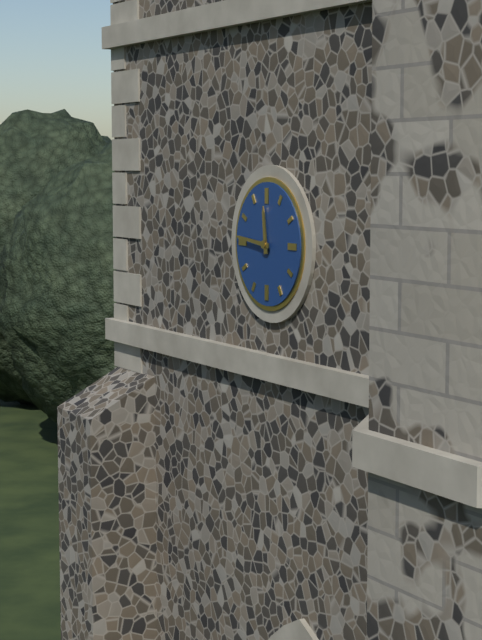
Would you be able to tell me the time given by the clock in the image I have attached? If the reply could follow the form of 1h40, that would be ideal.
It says 11h46
